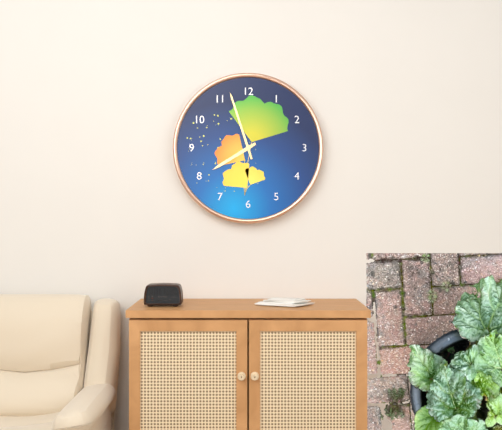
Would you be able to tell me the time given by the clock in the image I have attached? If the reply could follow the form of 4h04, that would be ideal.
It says 7h57
